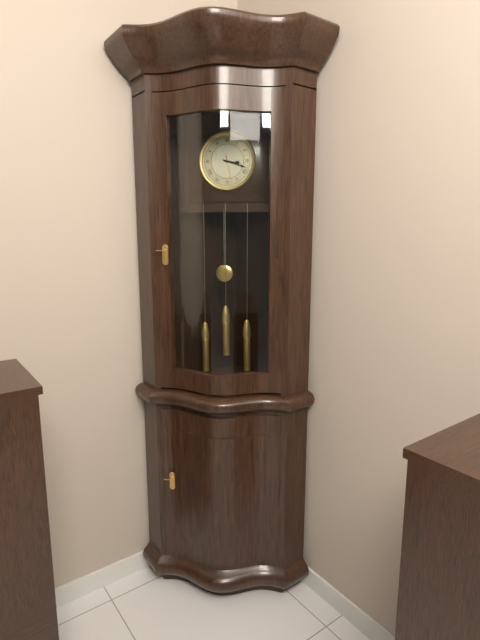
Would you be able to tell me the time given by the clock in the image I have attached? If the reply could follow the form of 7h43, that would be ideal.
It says 3h18
